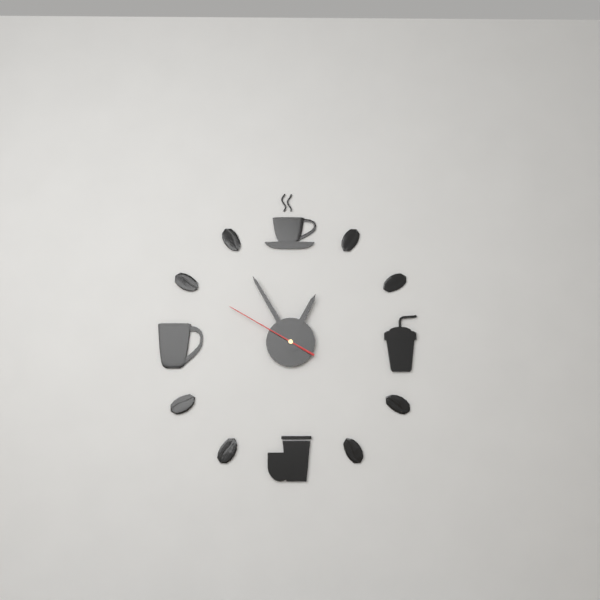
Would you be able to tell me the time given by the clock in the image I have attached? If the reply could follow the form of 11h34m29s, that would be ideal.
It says 12h55m50s
